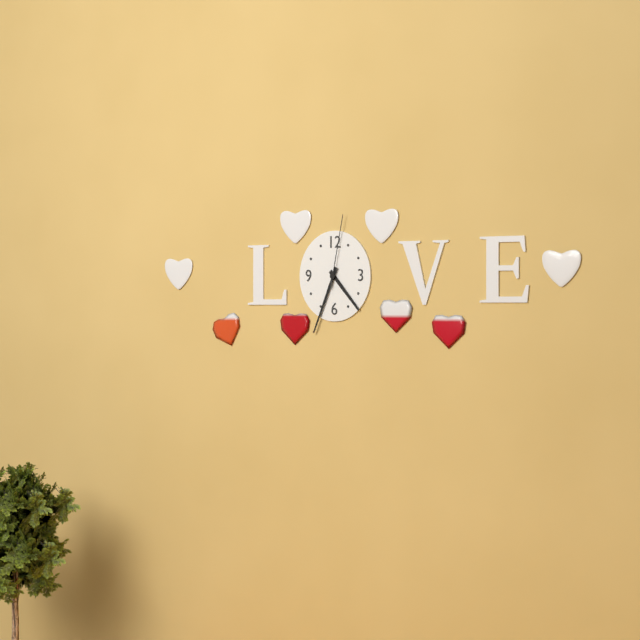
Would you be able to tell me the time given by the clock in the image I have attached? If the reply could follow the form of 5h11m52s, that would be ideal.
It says 4h34m02s
